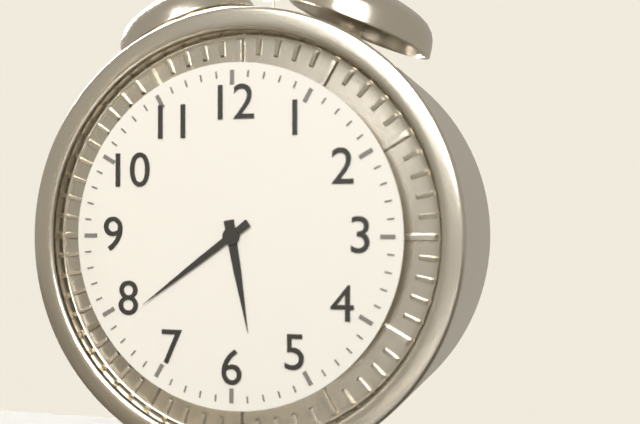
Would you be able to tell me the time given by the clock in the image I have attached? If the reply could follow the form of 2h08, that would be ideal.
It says 5h39
